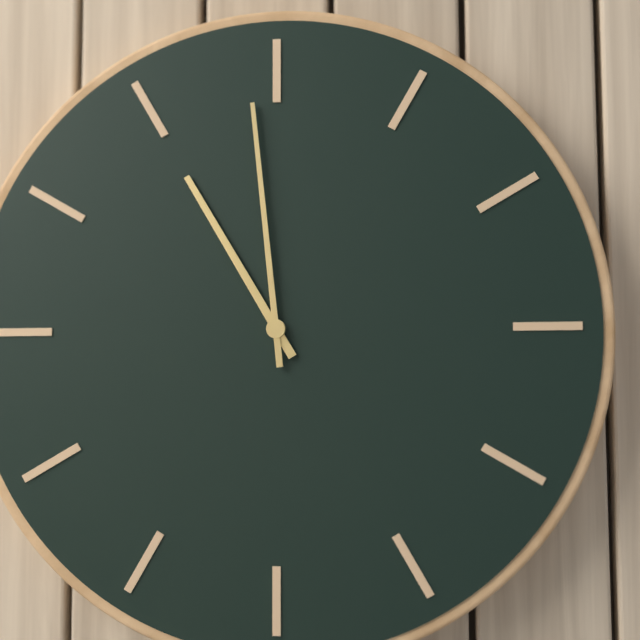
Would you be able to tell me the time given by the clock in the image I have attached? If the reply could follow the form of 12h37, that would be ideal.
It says 10h59
